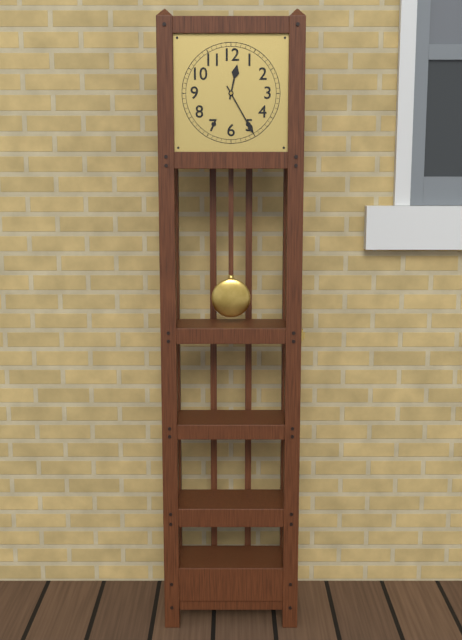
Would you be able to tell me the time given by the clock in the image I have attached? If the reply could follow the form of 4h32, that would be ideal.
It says 12h25
